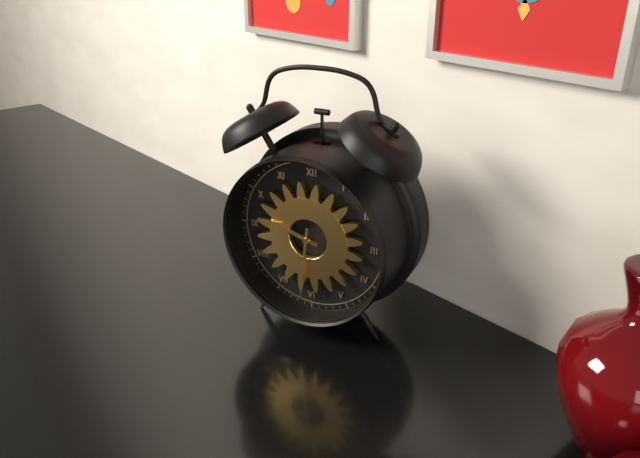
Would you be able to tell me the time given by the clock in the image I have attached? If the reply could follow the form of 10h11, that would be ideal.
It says 9h31
